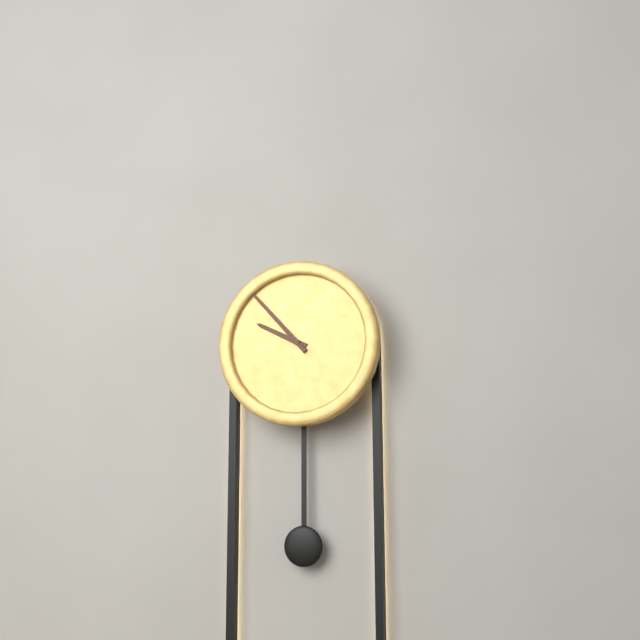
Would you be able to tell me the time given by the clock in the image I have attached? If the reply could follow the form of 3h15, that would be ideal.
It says 9h53
